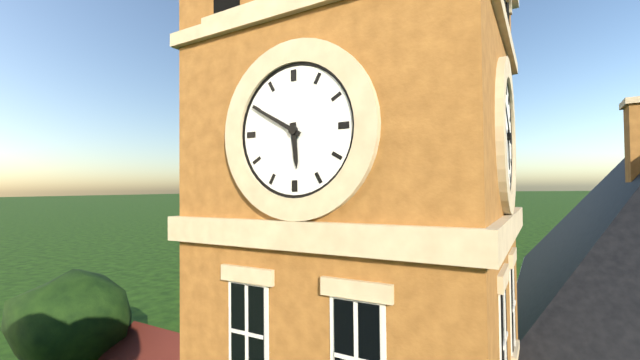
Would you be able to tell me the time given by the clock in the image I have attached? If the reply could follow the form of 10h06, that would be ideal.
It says 5h50
